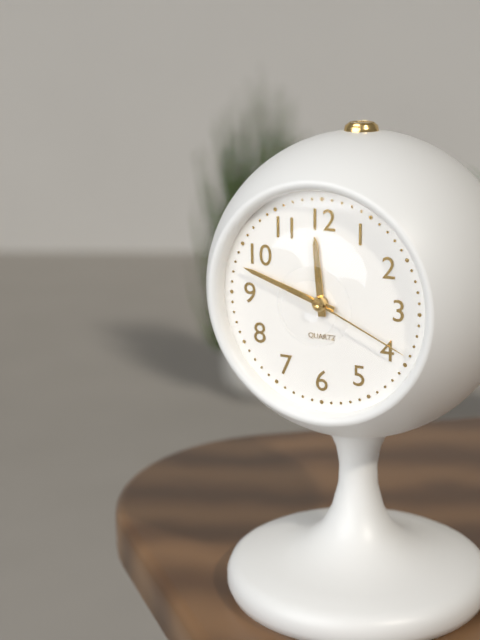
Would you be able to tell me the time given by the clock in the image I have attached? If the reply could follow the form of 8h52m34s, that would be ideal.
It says 11h48m19s
